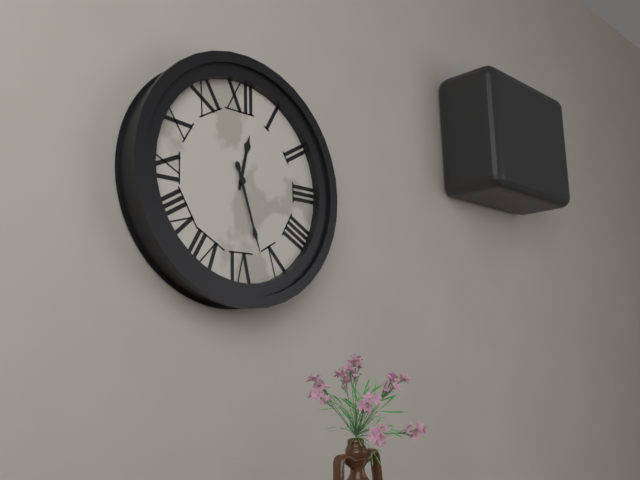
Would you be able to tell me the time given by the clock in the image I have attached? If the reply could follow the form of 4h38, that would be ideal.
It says 12h27
